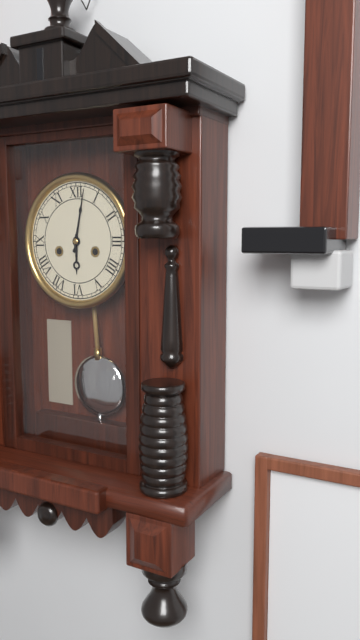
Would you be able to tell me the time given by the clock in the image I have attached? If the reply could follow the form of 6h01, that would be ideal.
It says 6h02
